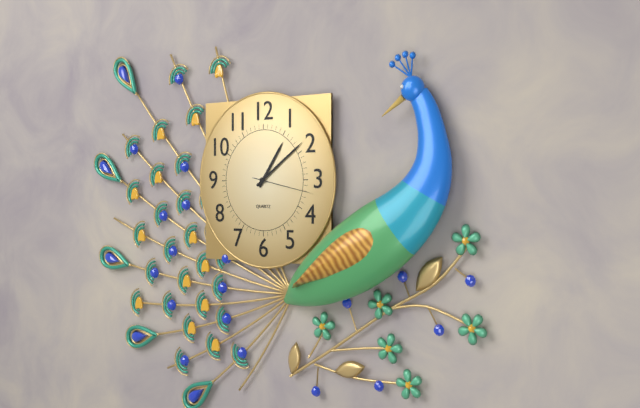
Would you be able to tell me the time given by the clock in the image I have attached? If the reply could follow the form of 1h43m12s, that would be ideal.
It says 1h09m17s
